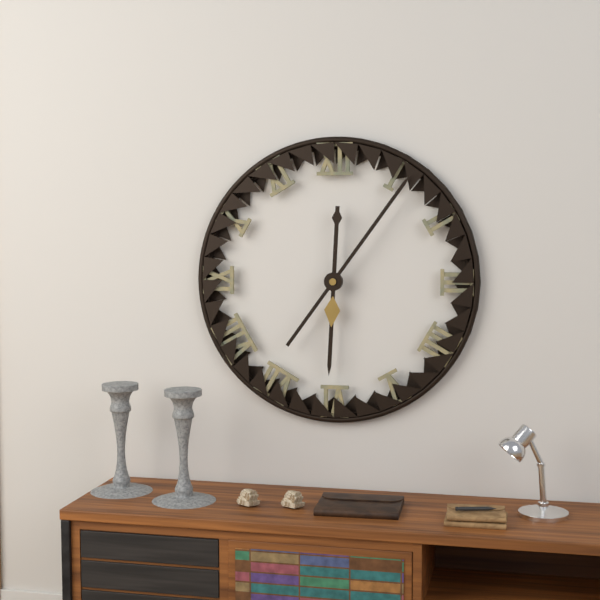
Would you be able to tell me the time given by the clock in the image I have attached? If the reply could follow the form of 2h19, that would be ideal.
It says 6h06
